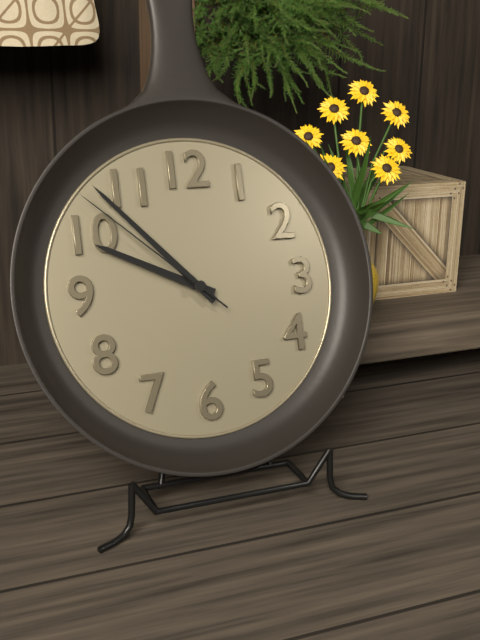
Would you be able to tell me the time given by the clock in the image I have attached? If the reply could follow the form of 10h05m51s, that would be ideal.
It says 9h53m52s
